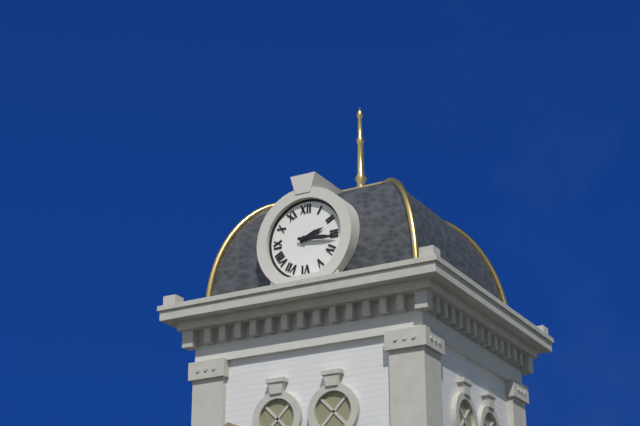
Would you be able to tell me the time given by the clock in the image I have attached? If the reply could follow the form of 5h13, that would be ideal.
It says 2h16
